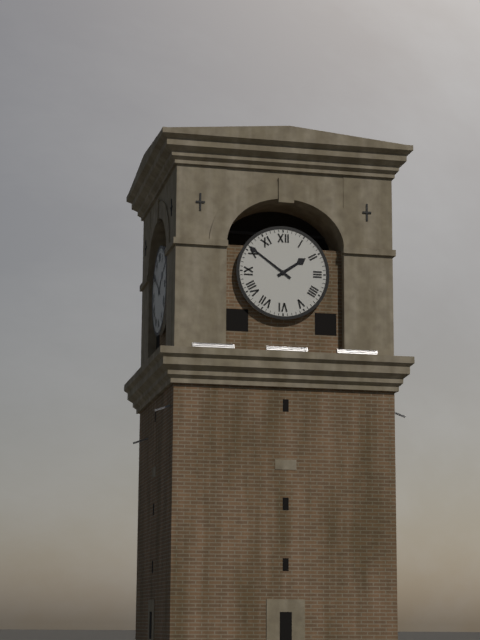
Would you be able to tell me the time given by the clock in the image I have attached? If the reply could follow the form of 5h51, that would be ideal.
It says 1h51
